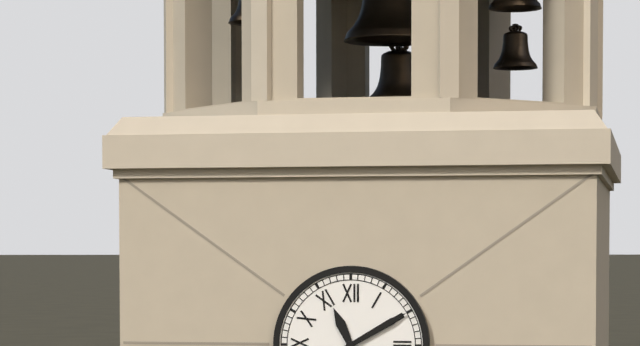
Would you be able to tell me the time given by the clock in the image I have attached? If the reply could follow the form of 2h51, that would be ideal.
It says 11h10
